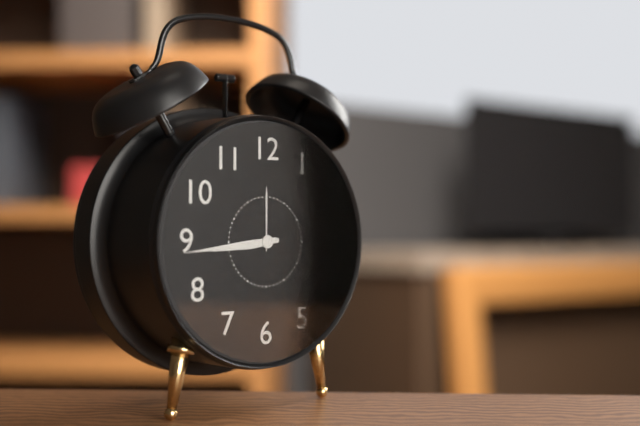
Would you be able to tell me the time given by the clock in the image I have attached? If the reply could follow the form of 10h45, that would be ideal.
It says 8h44
